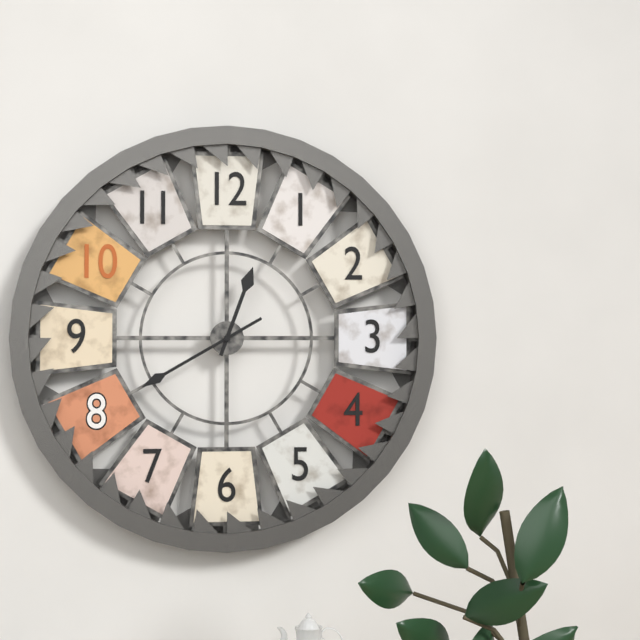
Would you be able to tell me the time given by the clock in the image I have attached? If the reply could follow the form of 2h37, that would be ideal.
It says 12h40
